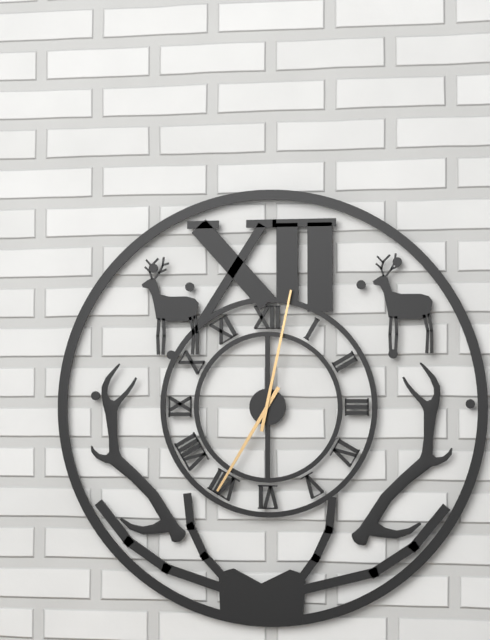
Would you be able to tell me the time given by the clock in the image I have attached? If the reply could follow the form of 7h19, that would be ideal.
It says 7h02
